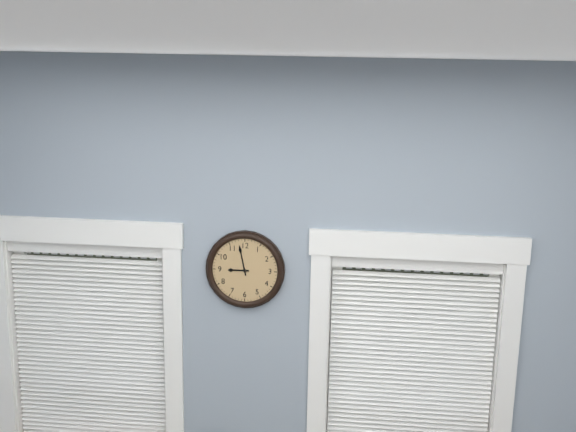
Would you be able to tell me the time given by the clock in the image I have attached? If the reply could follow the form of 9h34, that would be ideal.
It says 8h58
